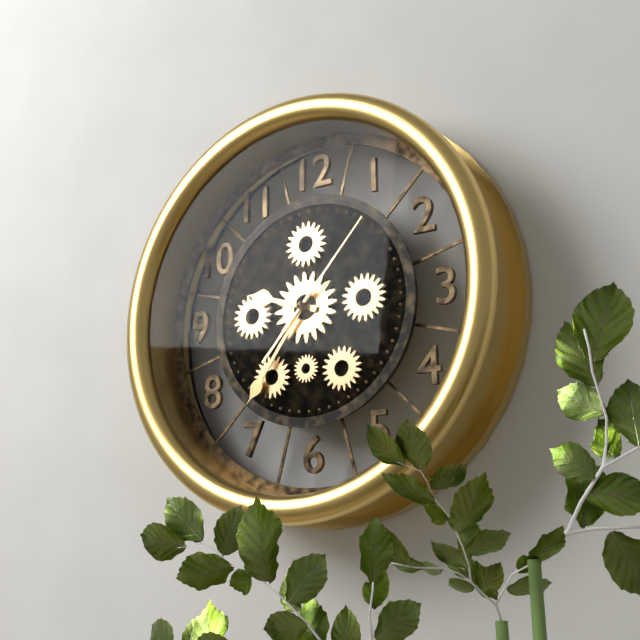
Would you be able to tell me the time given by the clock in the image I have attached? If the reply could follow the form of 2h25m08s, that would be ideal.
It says 9h36m07s
